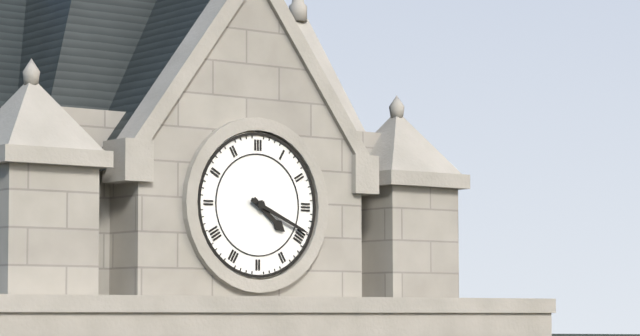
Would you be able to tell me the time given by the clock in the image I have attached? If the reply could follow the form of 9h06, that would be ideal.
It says 4h19
